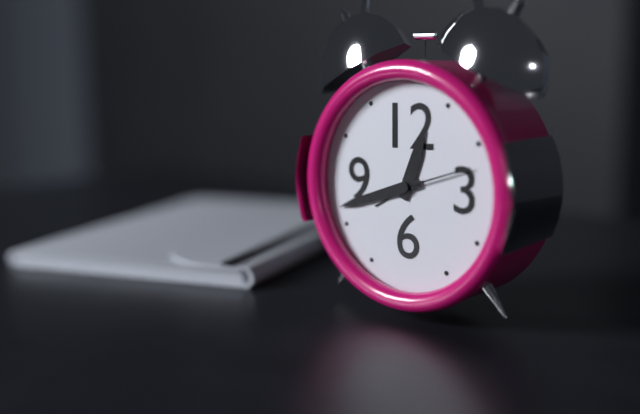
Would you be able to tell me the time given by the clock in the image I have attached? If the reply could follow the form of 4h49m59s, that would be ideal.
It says 12h42m12s
